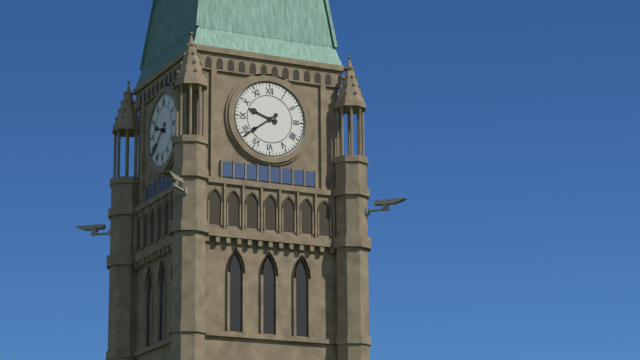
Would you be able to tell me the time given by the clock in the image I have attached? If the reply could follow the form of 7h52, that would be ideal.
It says 9h39
